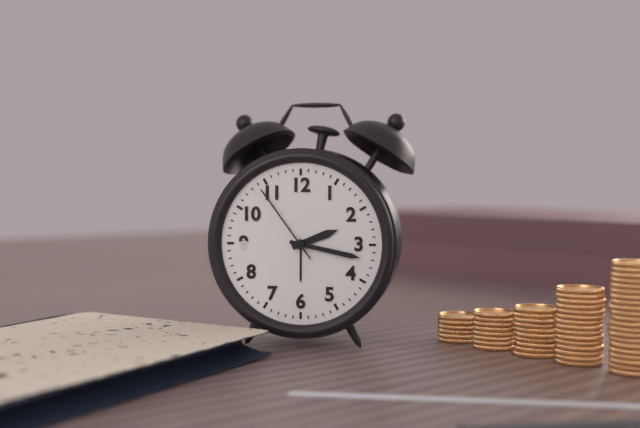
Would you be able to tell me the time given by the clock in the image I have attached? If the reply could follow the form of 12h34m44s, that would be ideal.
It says 2h17m54s
